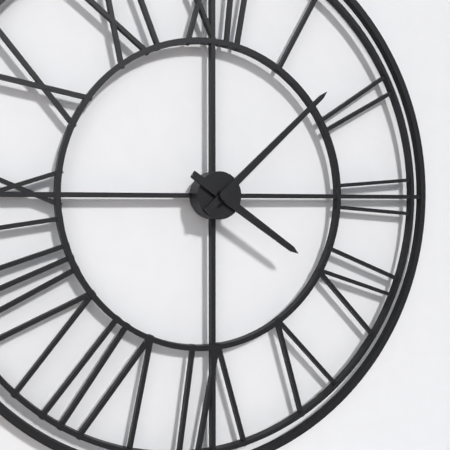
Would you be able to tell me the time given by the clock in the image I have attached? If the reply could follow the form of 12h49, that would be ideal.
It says 4h08
